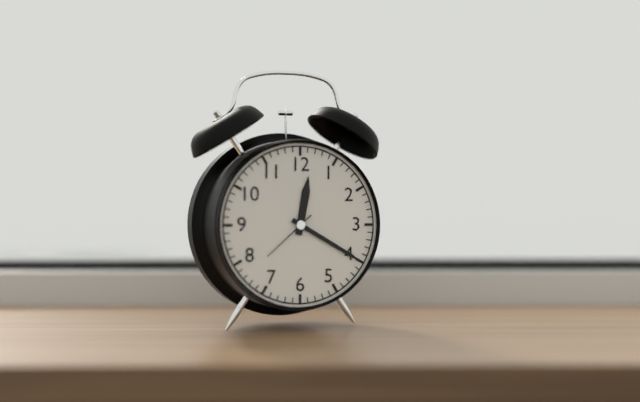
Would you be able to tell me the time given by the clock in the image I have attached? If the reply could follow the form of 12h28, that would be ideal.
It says 12h20
